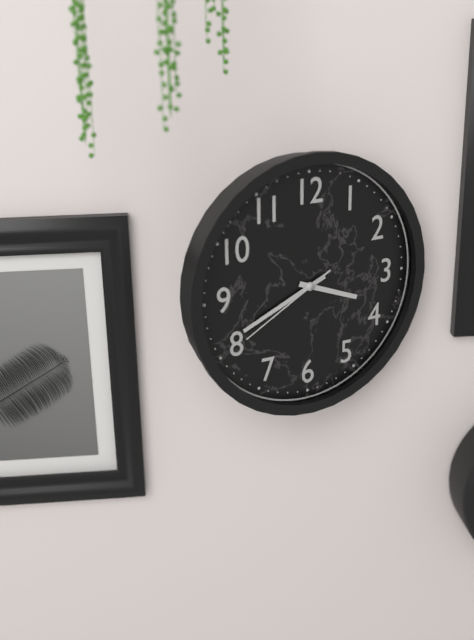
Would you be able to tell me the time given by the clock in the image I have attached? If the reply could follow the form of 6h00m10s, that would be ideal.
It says 3h41m40s
